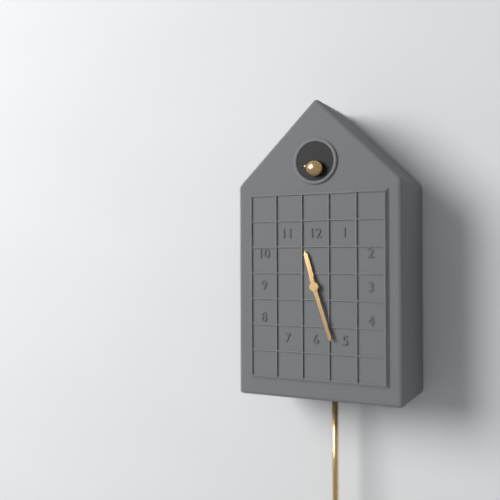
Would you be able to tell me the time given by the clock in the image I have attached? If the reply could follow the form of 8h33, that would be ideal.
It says 11h27
